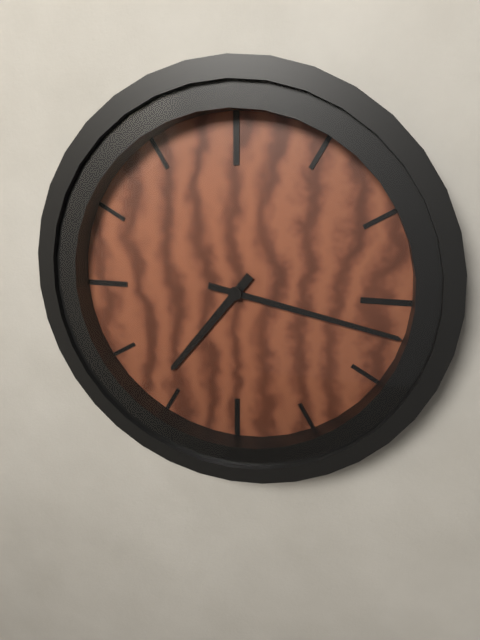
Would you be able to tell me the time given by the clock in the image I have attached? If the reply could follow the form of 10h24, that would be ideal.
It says 7h17
